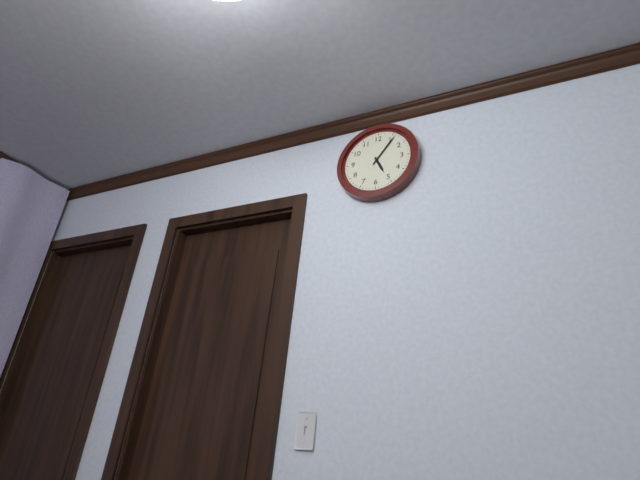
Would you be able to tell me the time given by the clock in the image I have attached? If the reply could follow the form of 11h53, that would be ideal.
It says 5h06
